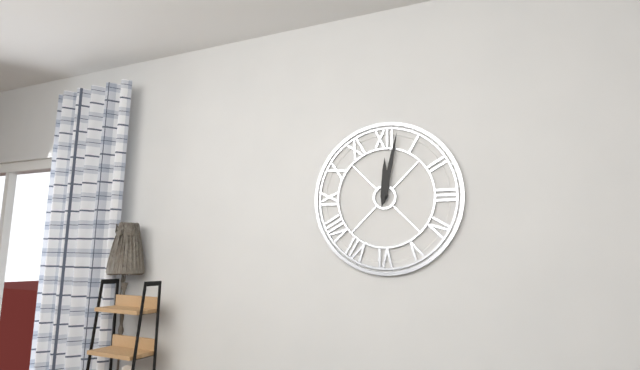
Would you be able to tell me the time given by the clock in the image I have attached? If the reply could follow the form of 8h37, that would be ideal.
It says 12h02
